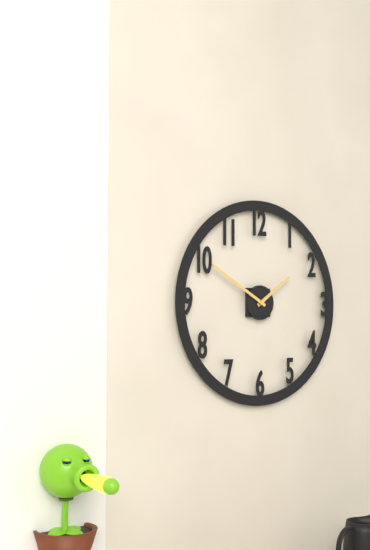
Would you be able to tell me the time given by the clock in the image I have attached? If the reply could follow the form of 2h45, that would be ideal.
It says 1h50
